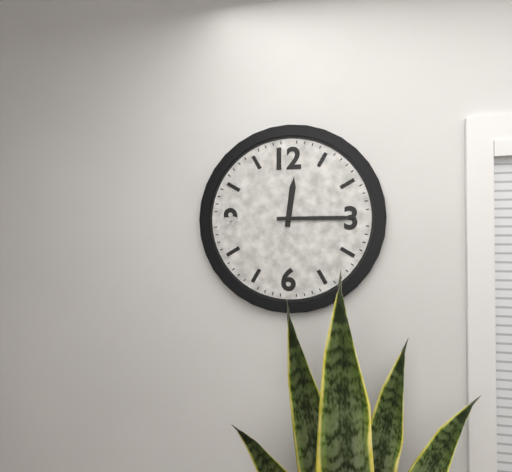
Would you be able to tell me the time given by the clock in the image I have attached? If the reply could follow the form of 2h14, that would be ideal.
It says 12h15
